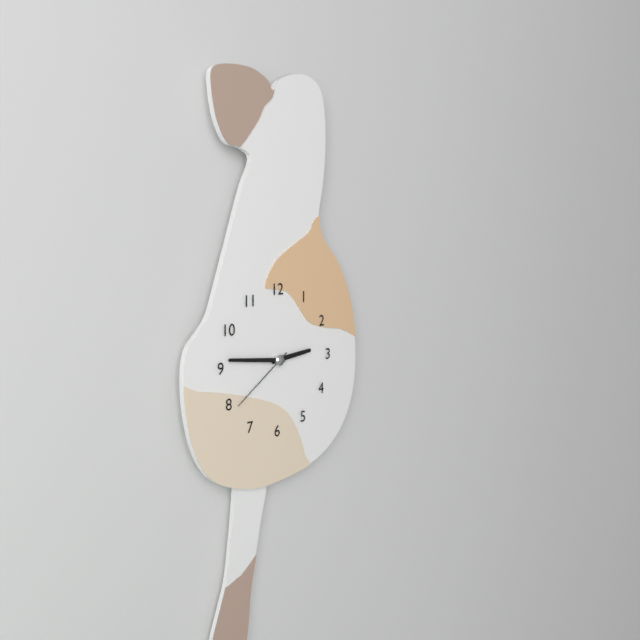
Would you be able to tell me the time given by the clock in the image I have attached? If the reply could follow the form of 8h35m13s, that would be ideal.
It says 2h46m39s
